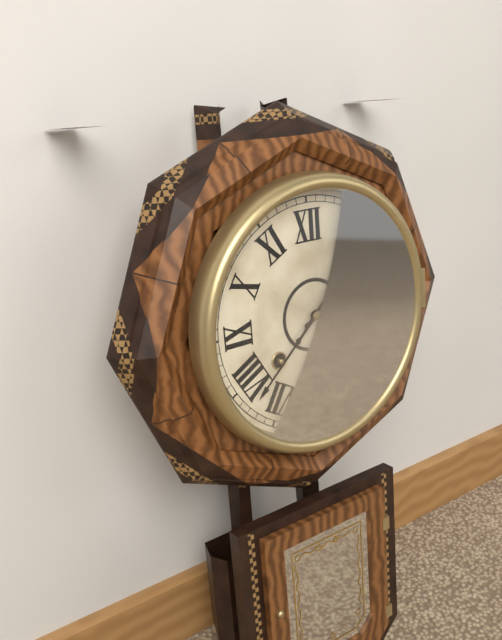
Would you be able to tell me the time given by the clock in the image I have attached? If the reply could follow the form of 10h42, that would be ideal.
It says 1h38
